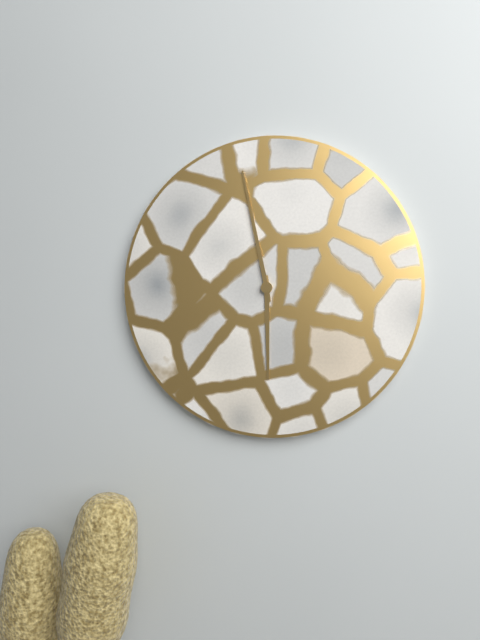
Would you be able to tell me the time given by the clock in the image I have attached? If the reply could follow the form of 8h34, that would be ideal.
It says 5h58
